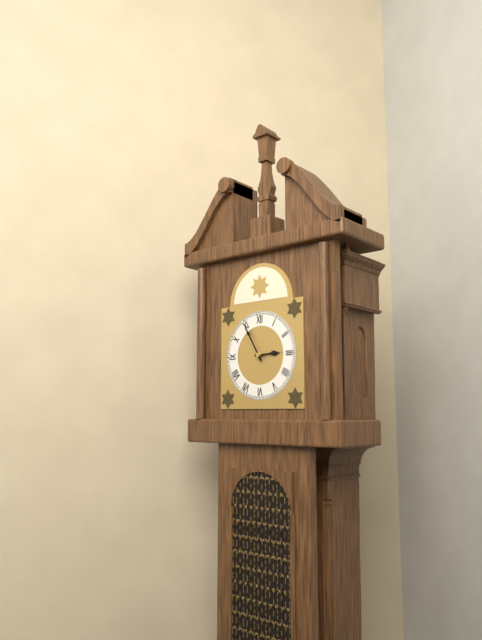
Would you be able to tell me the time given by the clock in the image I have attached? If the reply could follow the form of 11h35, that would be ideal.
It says 2h55
